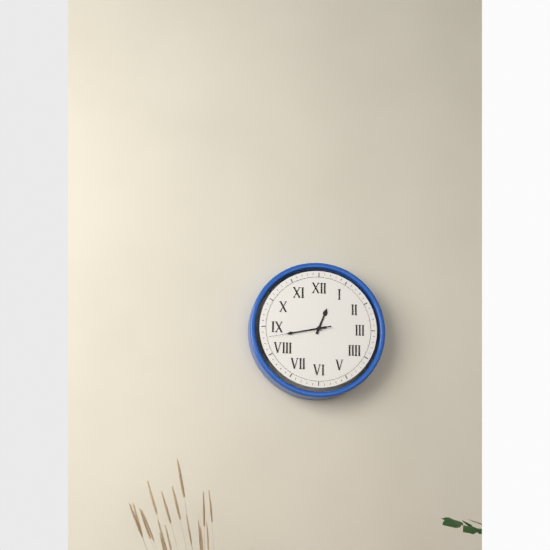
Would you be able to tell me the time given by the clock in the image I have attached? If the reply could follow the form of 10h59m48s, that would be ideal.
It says 12h43m43s
